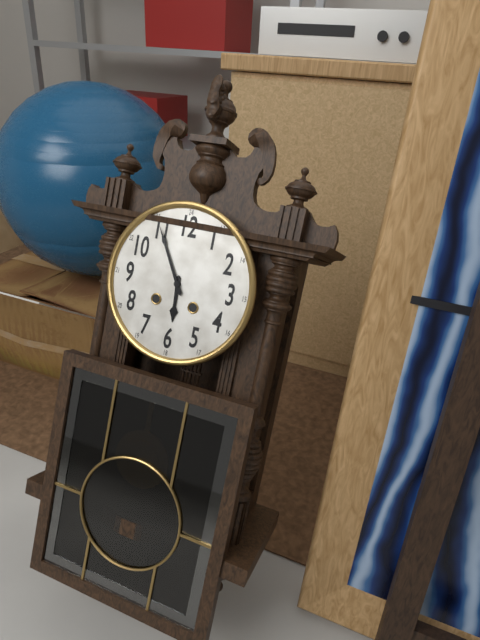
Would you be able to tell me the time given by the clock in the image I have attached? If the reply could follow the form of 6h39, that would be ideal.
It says 5h55
